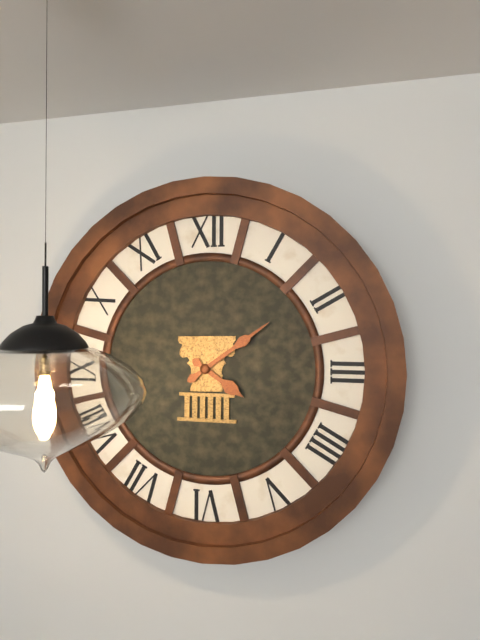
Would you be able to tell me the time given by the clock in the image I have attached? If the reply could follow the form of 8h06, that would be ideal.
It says 4h09
